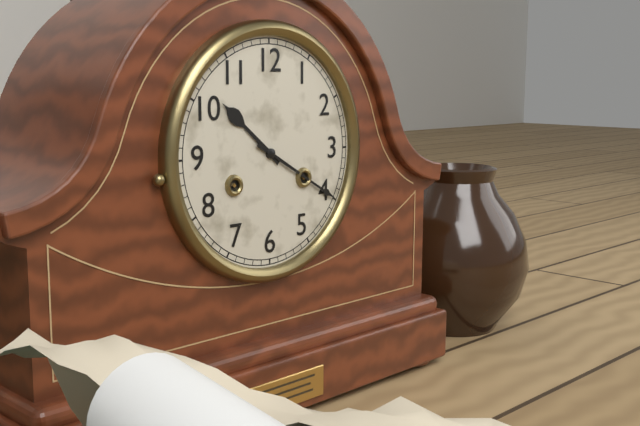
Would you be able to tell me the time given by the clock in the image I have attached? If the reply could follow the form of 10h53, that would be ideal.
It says 10h20
